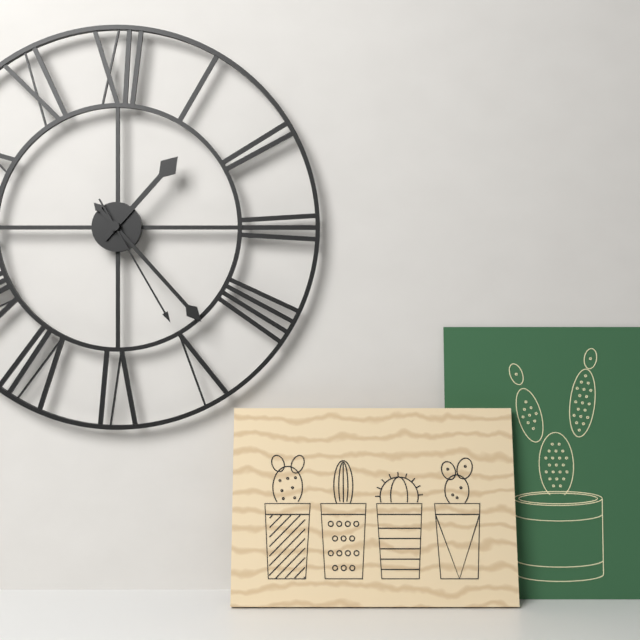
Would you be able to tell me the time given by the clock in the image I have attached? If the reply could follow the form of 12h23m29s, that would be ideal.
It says 1h23m25s
